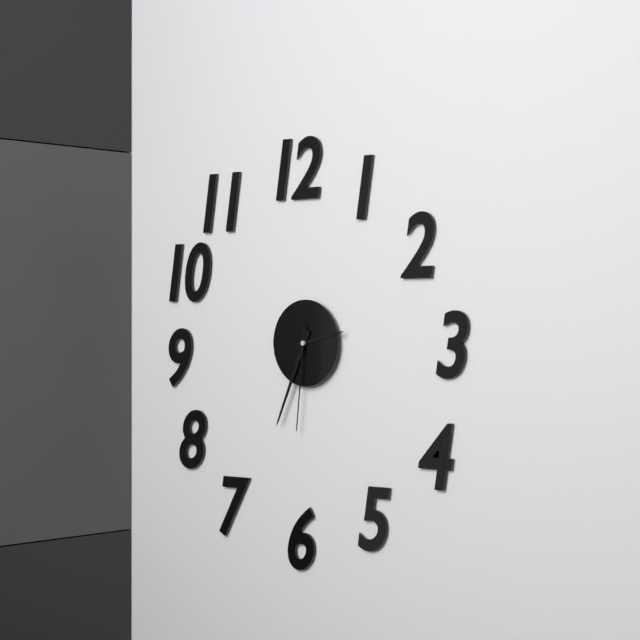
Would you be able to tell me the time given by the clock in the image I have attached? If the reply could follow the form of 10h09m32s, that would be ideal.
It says 2h34m31s
